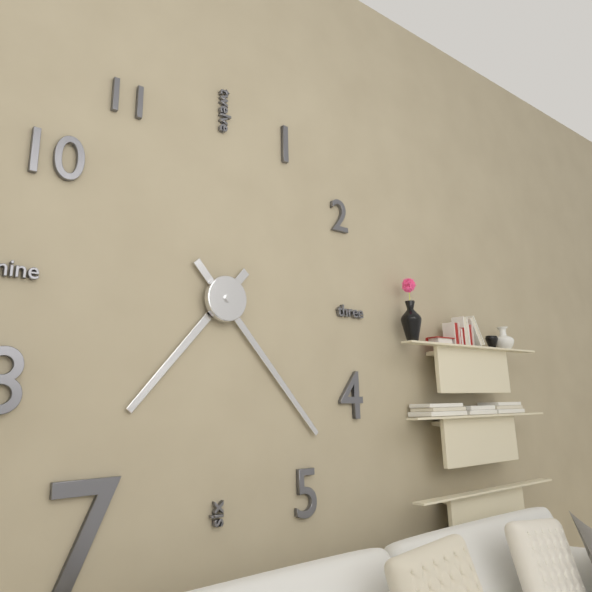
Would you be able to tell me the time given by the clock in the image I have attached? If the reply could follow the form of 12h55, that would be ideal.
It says 7h23
